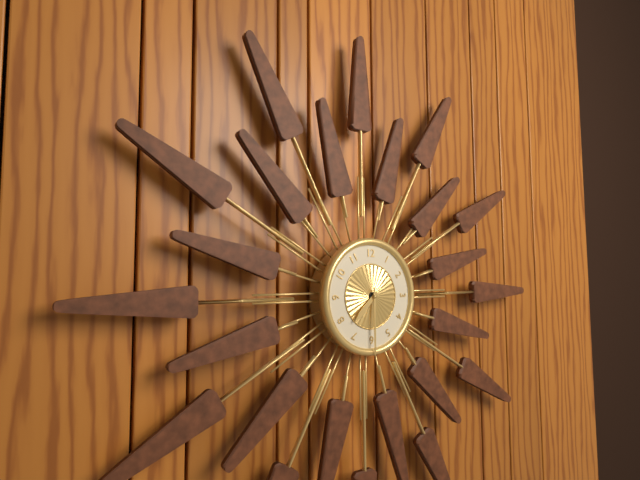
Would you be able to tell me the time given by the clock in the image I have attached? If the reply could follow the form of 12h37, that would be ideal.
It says 7h30
